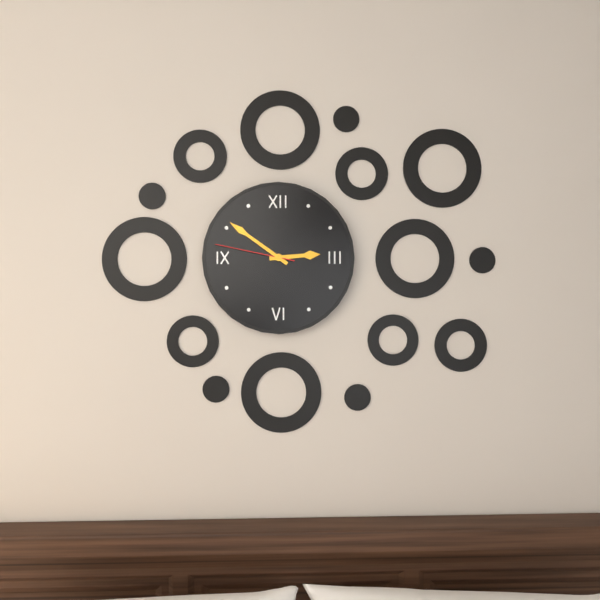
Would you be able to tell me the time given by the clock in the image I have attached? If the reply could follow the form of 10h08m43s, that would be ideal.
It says 2h51m47s
